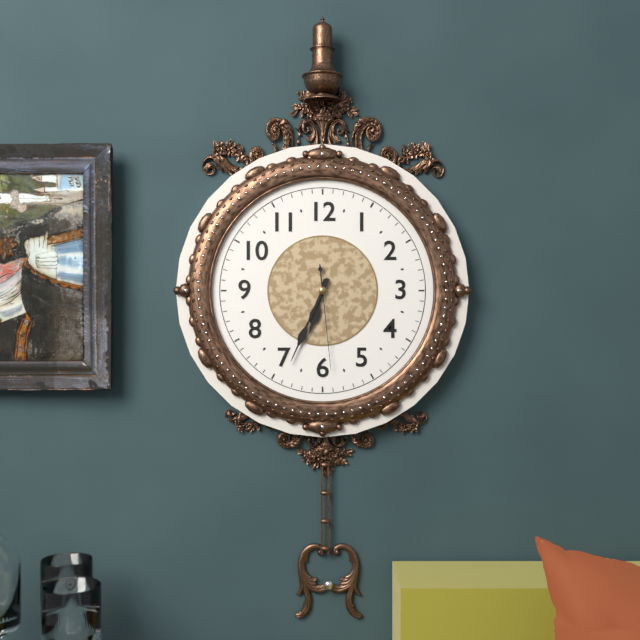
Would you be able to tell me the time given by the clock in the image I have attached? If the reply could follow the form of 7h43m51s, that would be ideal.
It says 6h34m29s
